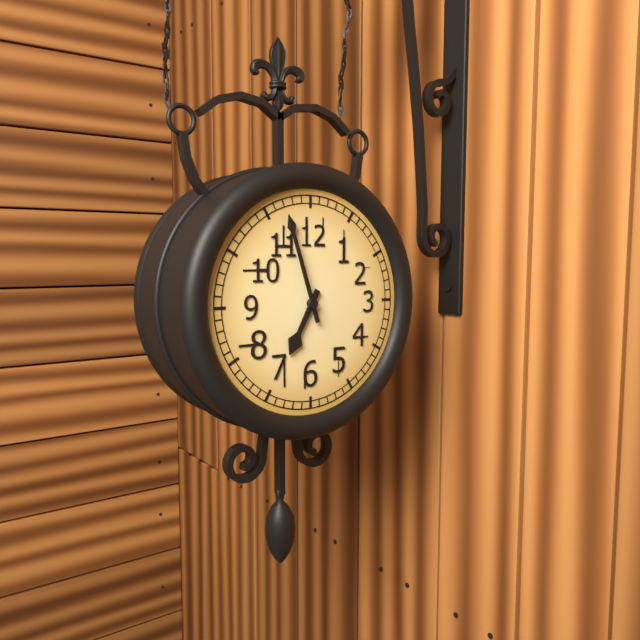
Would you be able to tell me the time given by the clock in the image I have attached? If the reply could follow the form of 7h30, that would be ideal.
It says 6h57
